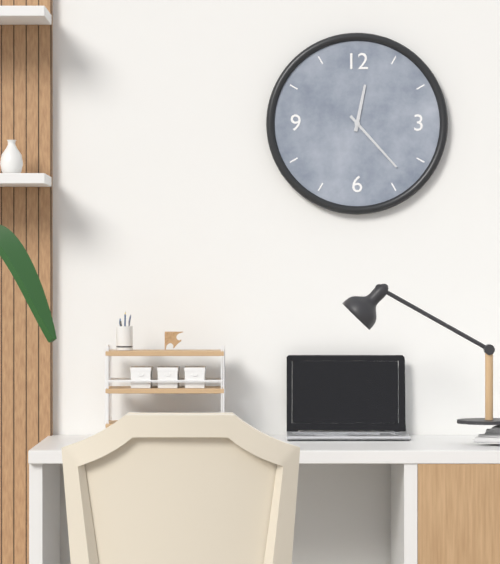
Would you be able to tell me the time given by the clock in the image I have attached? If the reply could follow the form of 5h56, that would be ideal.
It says 12h23
